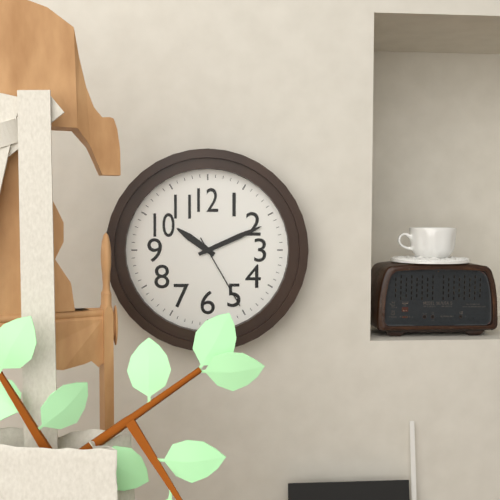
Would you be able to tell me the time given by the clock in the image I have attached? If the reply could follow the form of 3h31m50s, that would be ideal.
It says 10h11m25s
